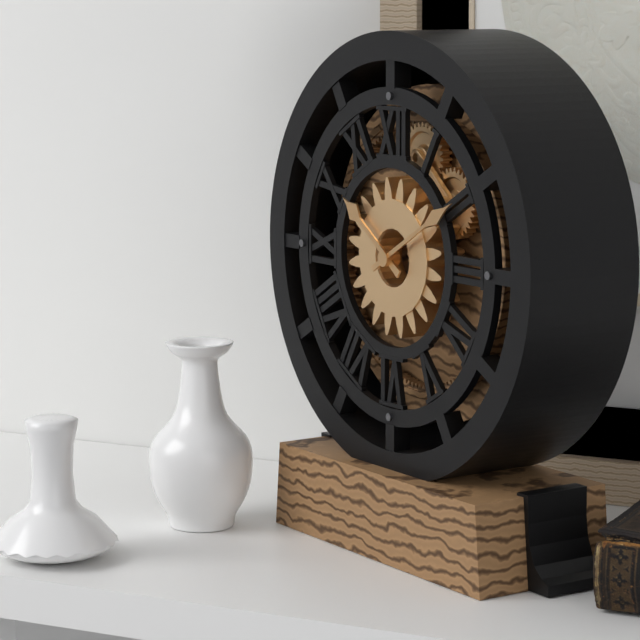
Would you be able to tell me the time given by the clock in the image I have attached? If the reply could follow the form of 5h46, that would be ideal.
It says 10h10
